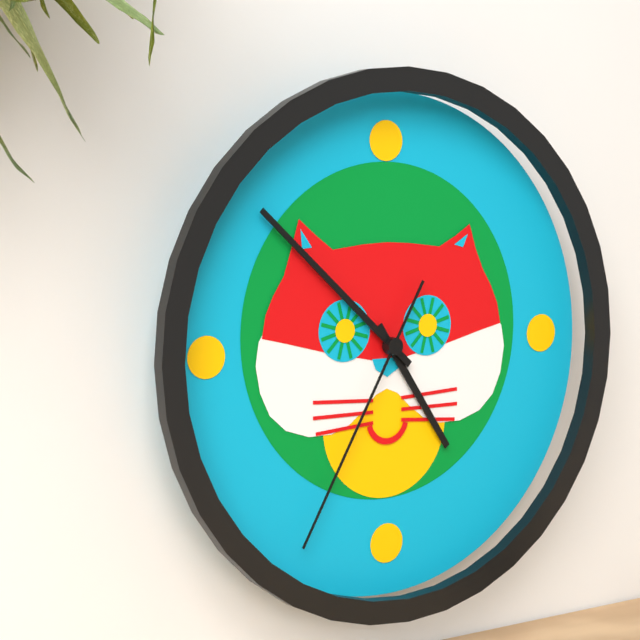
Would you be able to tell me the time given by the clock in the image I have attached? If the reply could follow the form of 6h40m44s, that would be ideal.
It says 4h52m35s
